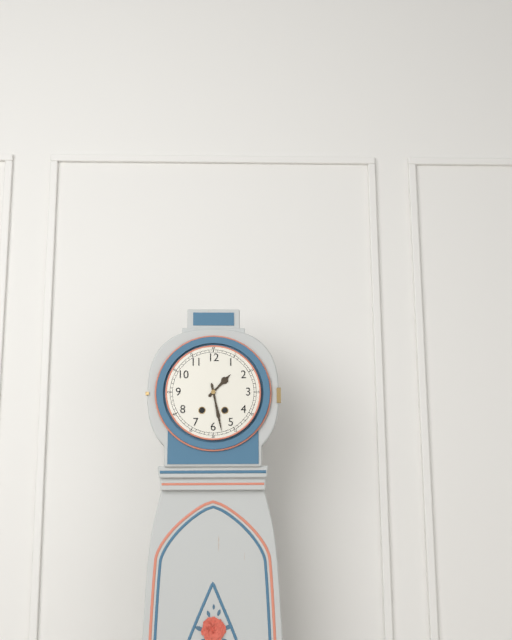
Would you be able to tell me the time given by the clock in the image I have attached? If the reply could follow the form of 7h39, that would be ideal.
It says 1h28
